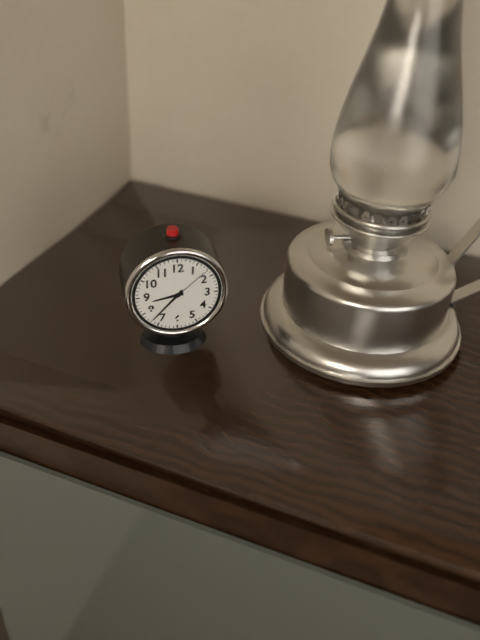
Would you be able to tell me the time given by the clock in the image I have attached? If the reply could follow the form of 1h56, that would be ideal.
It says 8h37
